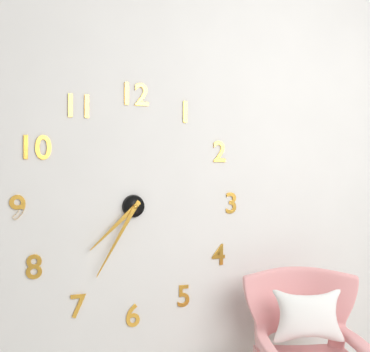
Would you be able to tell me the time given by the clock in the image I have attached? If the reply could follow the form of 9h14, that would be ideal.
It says 7h35
